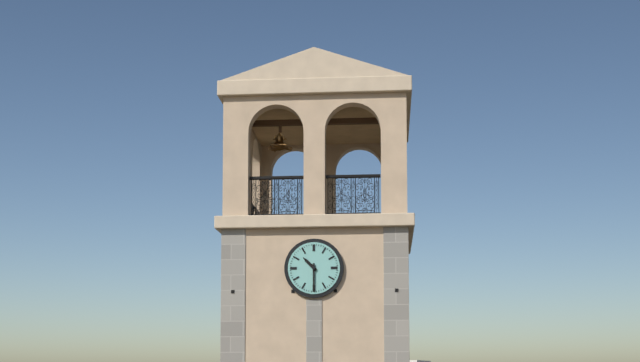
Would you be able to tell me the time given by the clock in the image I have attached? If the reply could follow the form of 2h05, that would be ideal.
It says 10h30
